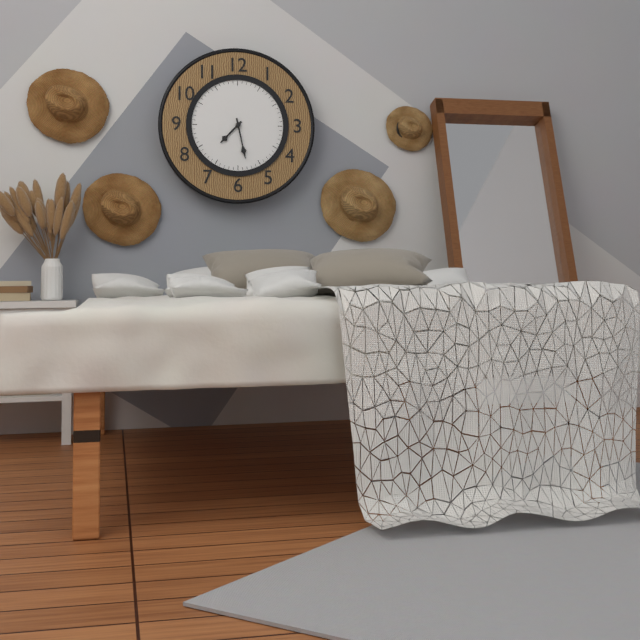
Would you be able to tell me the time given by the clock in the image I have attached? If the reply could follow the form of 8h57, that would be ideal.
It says 7h28
